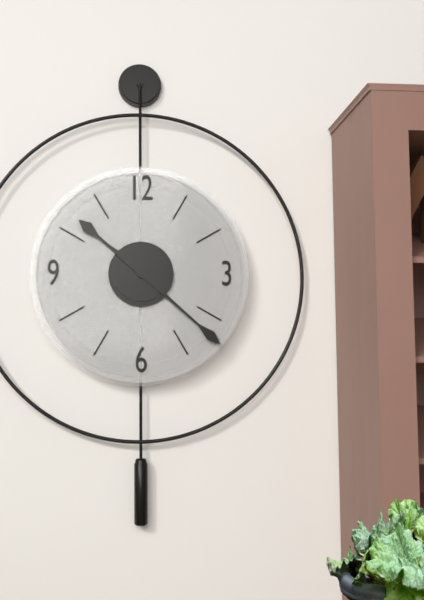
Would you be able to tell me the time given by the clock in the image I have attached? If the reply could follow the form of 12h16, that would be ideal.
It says 10h22
